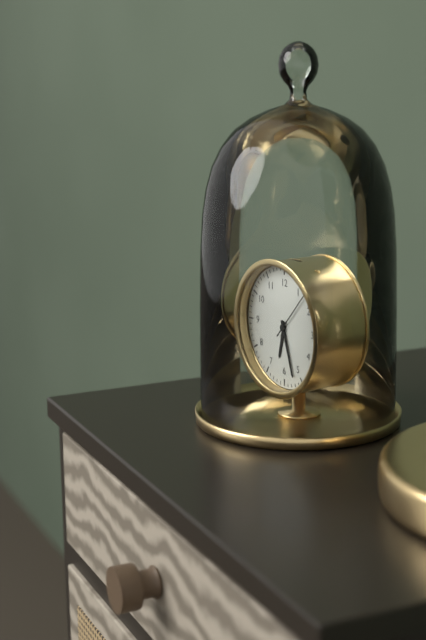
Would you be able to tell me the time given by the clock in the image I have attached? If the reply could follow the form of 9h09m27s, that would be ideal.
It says 6h27m07s
